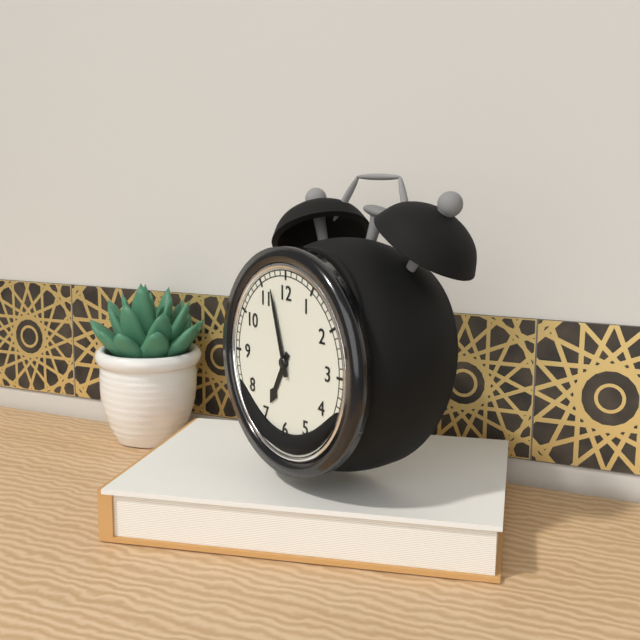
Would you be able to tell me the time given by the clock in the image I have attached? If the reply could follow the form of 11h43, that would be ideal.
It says 6h57
